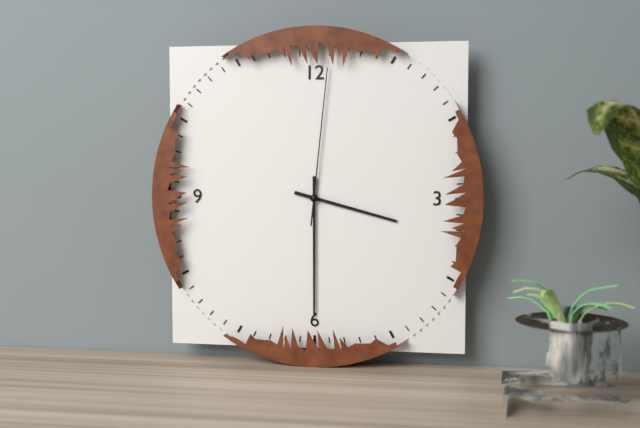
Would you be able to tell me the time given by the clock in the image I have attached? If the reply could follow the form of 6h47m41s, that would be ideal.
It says 3h30m01s
